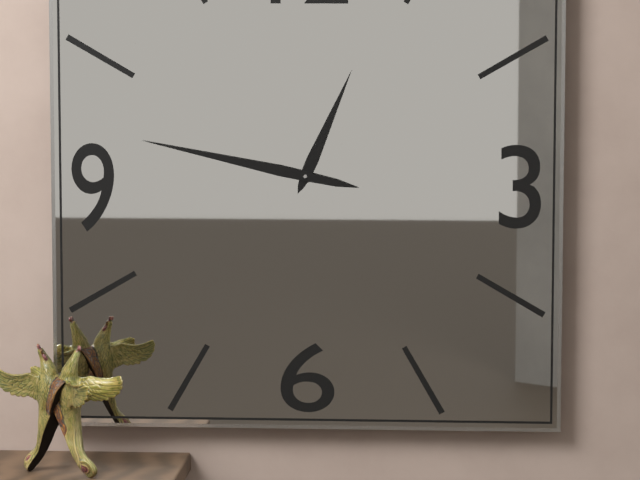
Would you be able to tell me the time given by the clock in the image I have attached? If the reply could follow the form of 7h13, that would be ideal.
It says 12h47
